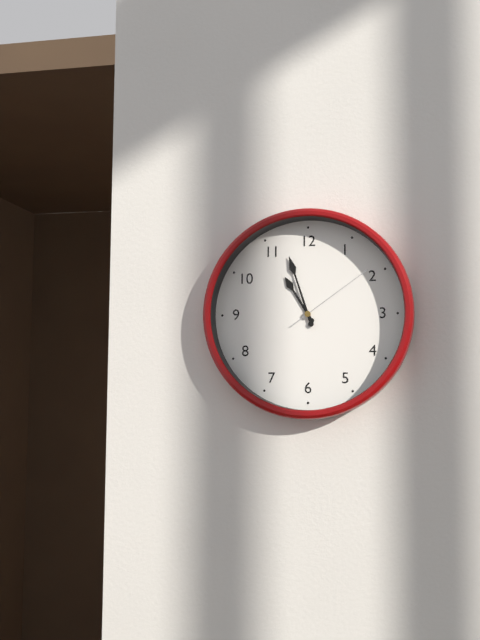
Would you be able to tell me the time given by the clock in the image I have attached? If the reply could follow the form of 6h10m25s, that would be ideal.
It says 10h57m09s
